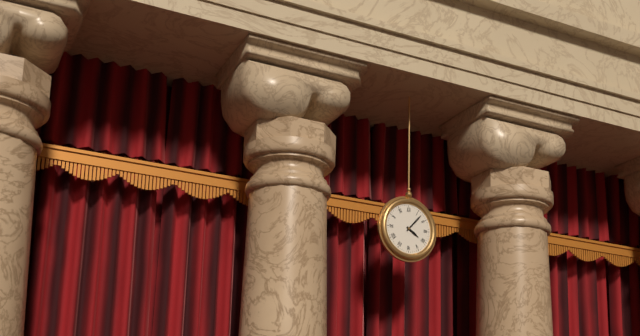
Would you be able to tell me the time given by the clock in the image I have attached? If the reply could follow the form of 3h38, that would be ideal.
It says 4h07
